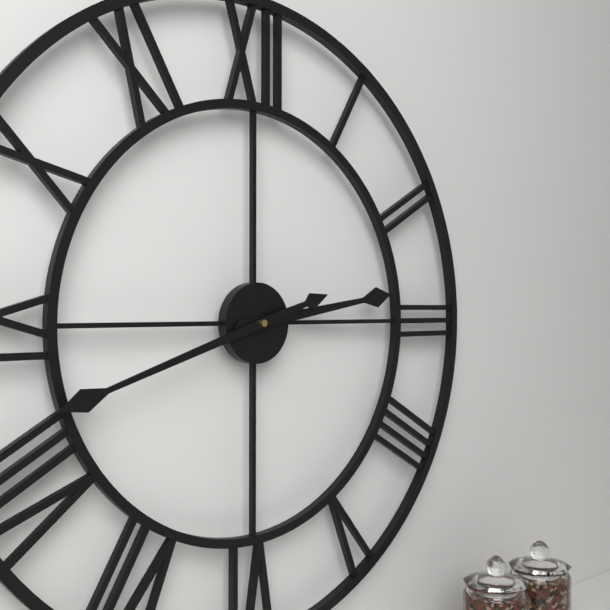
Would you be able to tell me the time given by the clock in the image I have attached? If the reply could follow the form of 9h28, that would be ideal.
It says 2h42
